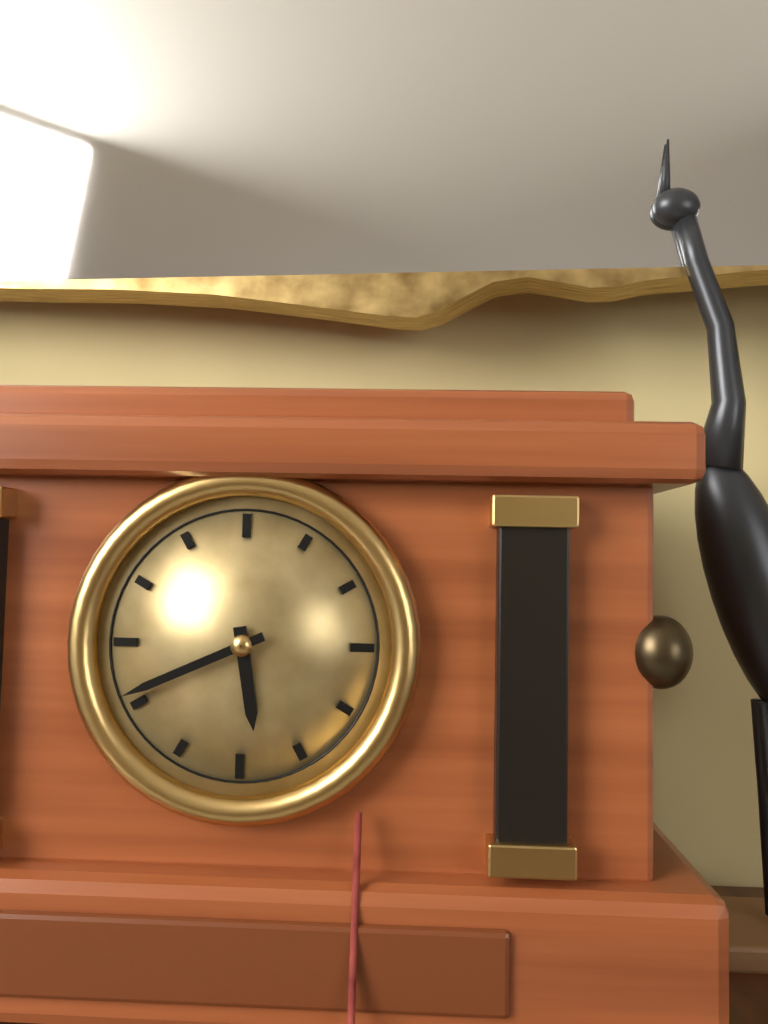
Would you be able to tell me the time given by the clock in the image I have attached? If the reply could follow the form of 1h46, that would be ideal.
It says 5h41
